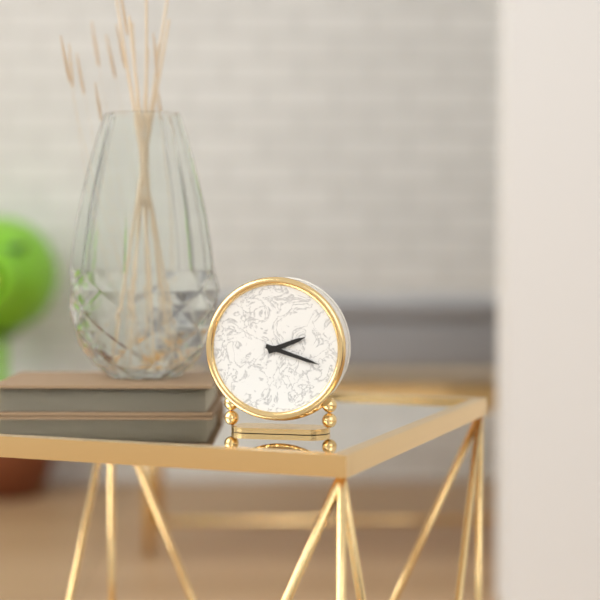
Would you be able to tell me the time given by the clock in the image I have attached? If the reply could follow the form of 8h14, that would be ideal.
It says 2h18
